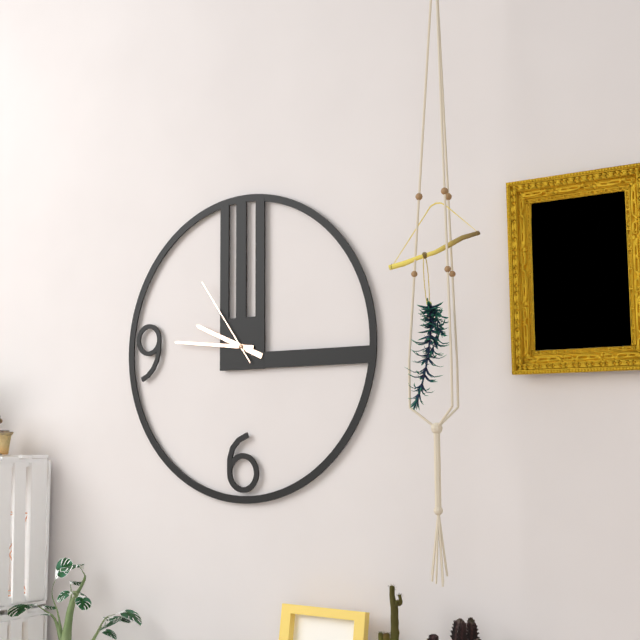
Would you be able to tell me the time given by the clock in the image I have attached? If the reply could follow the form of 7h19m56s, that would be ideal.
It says 9h46m54s
